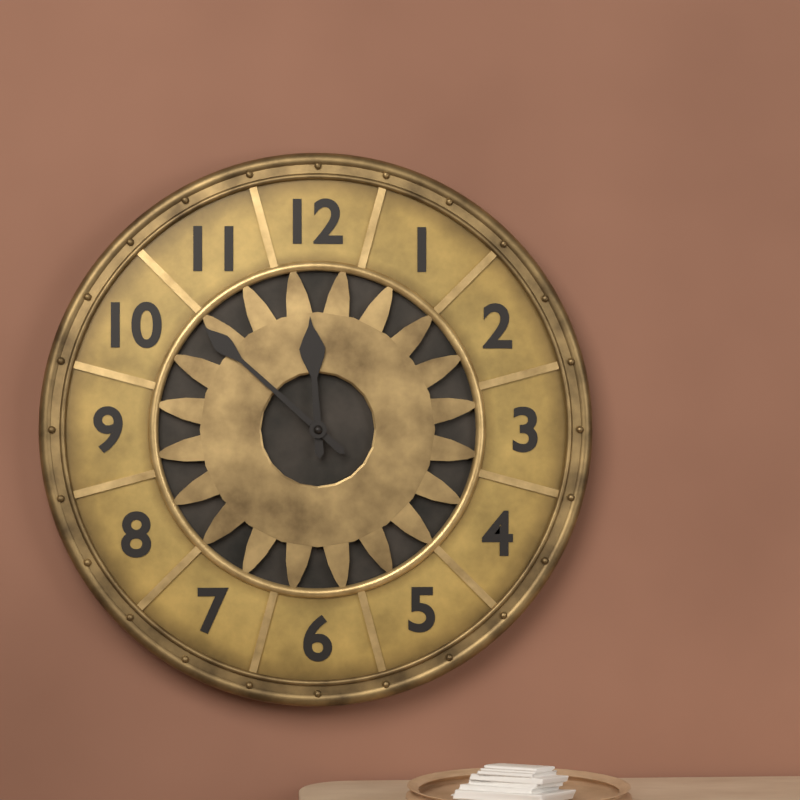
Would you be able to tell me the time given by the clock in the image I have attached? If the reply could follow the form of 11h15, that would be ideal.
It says 11h52
